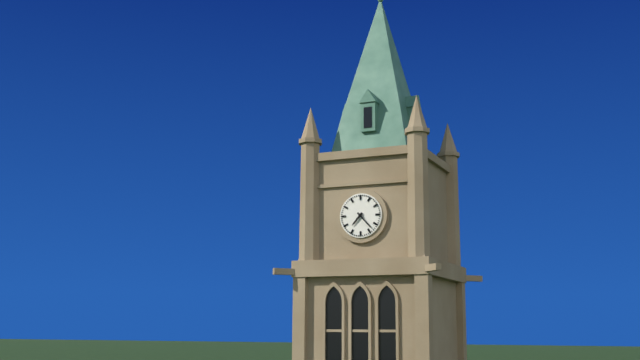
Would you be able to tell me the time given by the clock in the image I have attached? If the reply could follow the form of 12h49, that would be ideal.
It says 7h23
